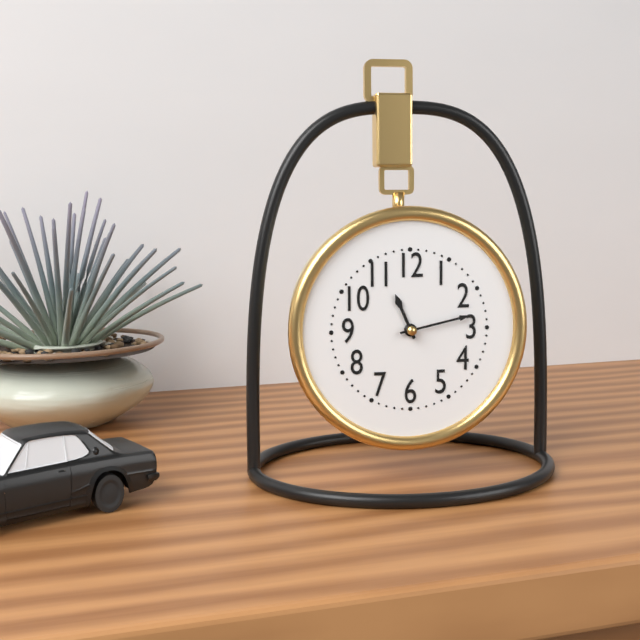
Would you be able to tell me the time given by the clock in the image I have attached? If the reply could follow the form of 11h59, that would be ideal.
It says 11h13
